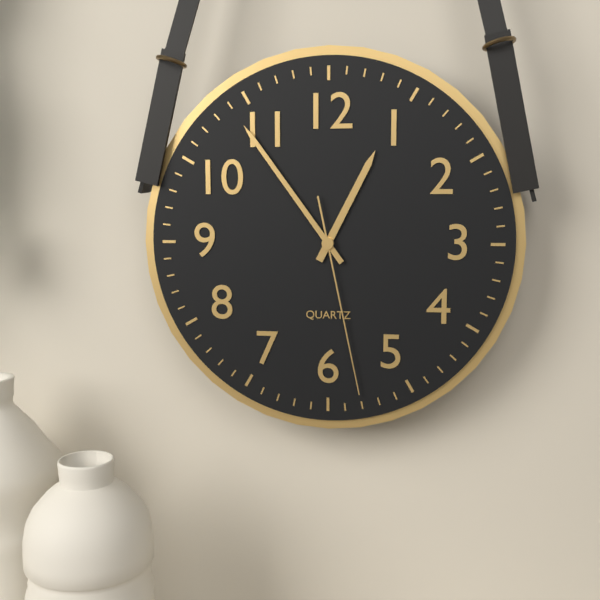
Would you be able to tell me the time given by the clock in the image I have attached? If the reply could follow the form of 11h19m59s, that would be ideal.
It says 12h54m28s
